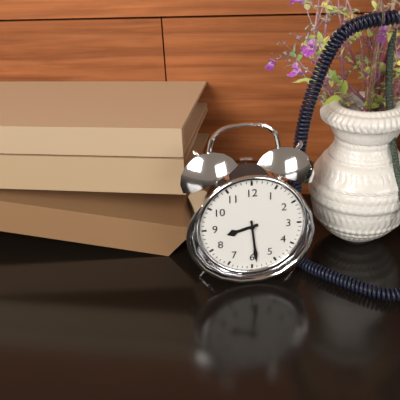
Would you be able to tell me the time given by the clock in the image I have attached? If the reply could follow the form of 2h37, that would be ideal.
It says 8h29
